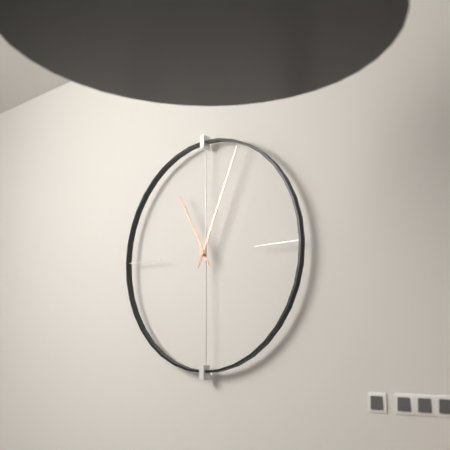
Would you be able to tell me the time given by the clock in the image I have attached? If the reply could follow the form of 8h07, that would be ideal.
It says 11h04
